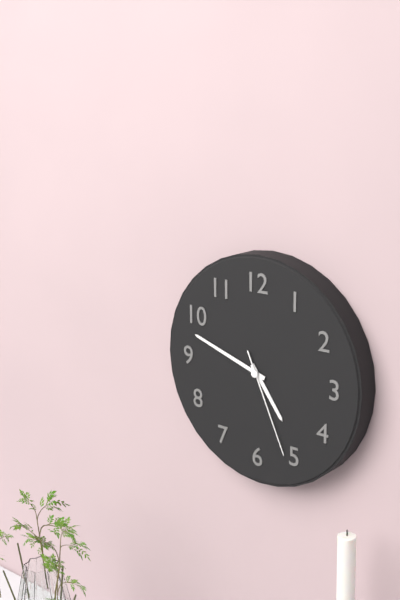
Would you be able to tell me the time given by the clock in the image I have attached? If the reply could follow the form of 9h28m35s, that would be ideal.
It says 4h48m26s
